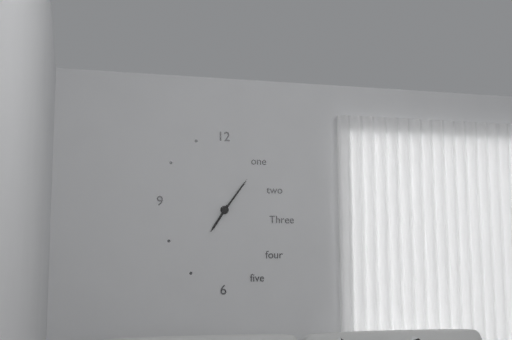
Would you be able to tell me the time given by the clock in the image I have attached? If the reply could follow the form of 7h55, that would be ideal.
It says 7h06
